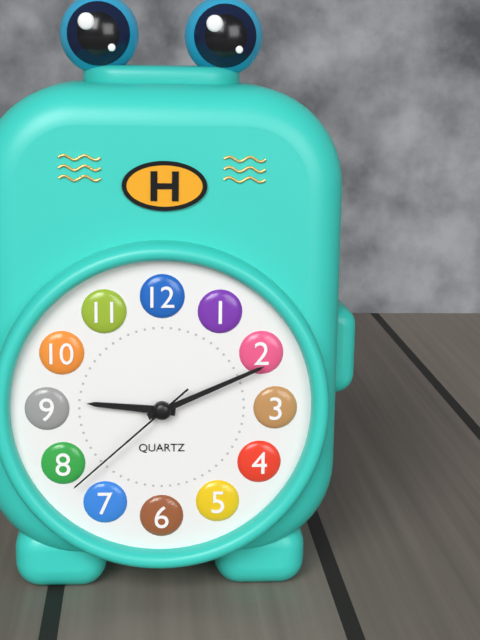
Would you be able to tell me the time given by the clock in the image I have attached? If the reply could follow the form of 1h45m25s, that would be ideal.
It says 9h11m38s
